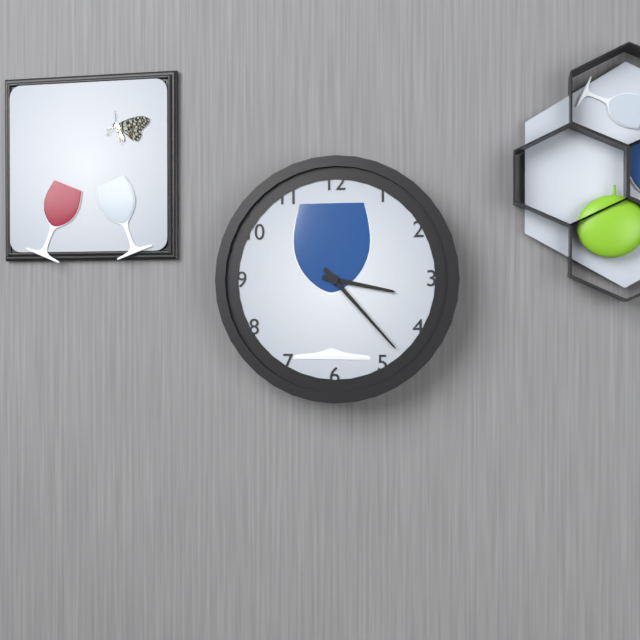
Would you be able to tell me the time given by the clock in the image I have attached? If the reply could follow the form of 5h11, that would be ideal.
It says 3h23
